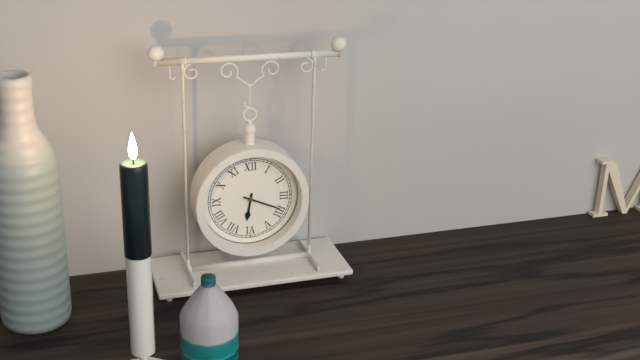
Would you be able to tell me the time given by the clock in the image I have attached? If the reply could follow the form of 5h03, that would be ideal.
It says 6h19
